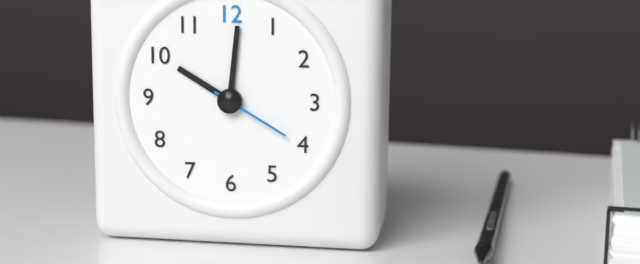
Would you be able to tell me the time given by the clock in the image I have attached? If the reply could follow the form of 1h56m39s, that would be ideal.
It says 10h01m20s
